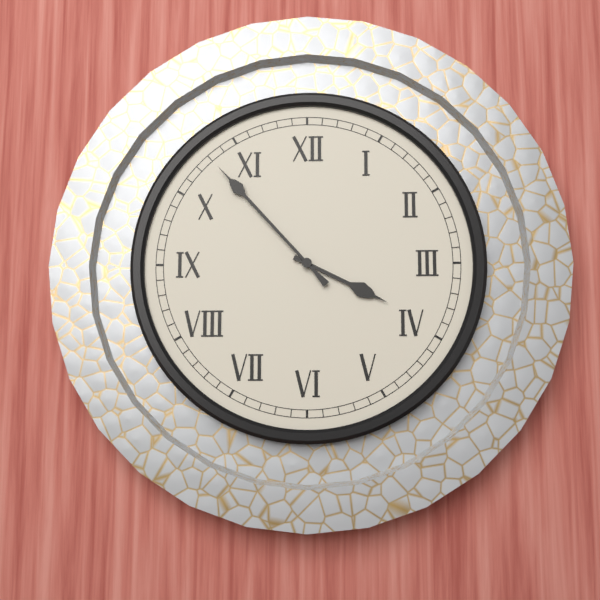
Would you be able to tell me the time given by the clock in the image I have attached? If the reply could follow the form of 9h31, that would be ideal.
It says 3h53
